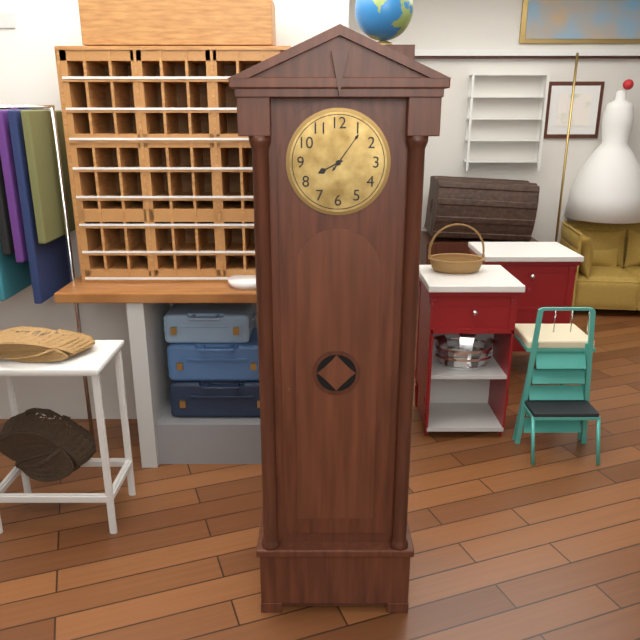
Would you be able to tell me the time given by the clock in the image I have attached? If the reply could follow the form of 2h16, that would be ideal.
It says 8h06
